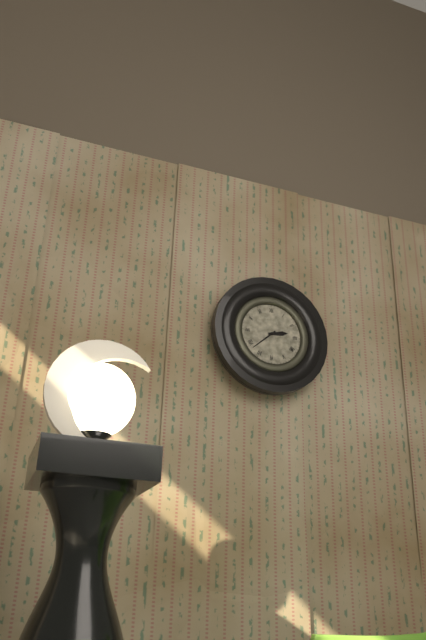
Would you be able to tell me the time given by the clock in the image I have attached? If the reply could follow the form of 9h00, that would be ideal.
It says 2h38
